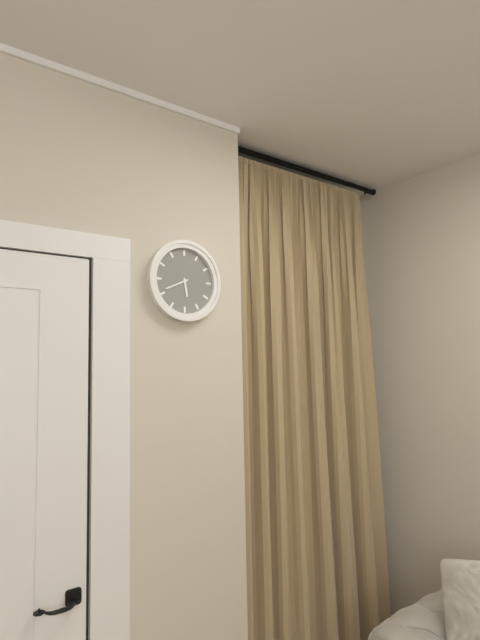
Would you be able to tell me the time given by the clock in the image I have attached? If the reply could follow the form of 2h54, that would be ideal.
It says 5h41
